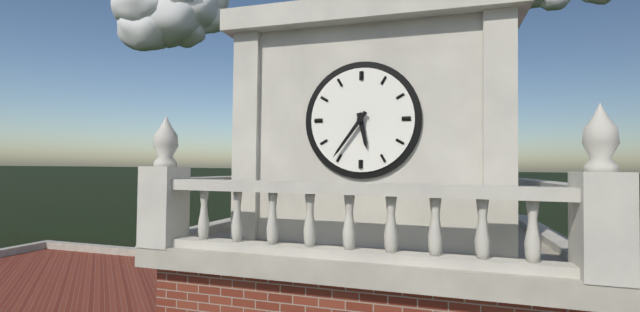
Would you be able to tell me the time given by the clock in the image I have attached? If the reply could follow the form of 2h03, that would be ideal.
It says 5h36
